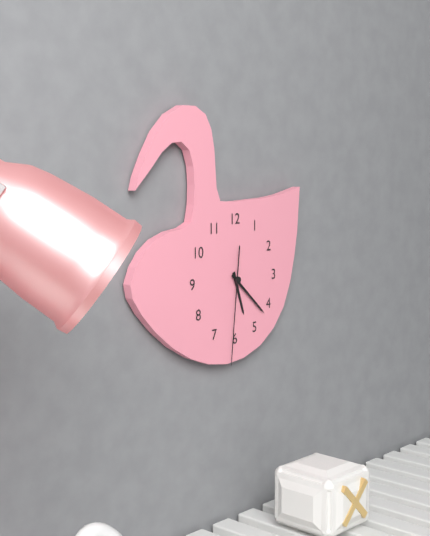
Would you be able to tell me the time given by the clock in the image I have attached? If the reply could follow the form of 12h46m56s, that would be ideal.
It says 5h22m31s
